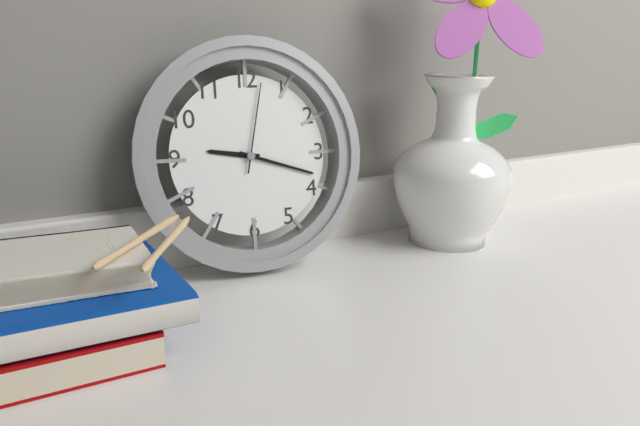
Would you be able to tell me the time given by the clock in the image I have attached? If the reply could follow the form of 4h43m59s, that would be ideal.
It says 9h18m02s
